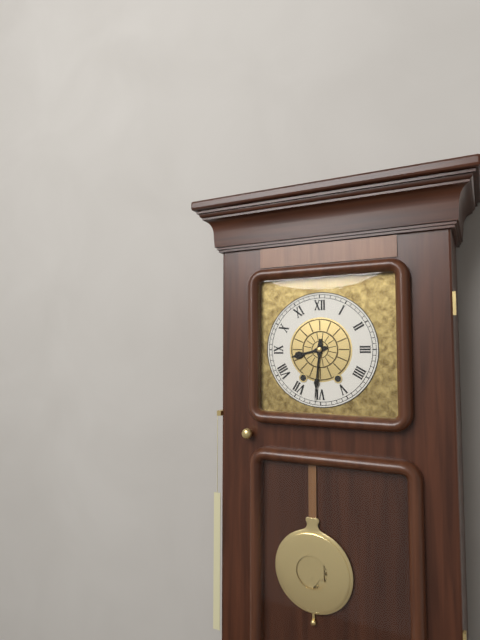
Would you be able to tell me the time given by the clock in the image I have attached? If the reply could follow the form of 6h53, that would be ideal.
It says 8h31
